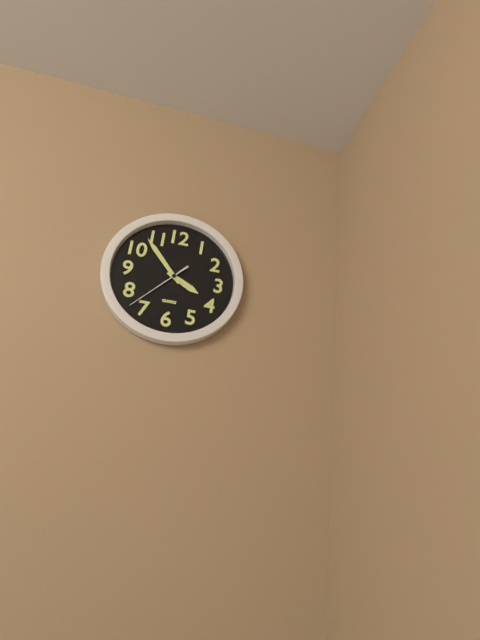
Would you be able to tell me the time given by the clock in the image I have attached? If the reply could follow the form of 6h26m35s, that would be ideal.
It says 3h53m37s
